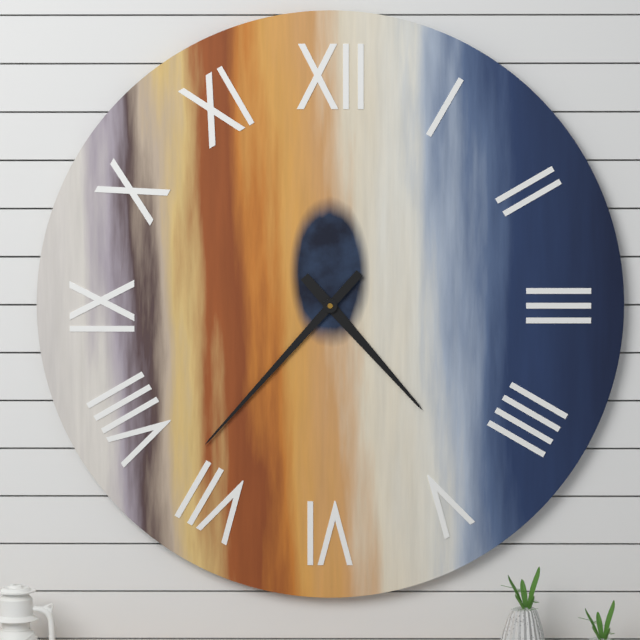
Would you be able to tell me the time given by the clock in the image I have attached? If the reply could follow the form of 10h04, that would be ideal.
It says 4h37
